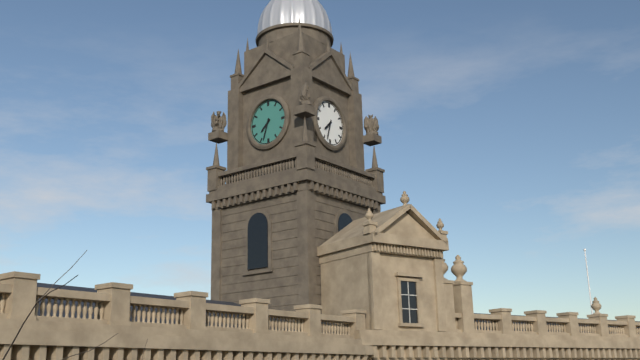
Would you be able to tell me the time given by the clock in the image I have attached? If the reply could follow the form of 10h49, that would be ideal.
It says 7h33
